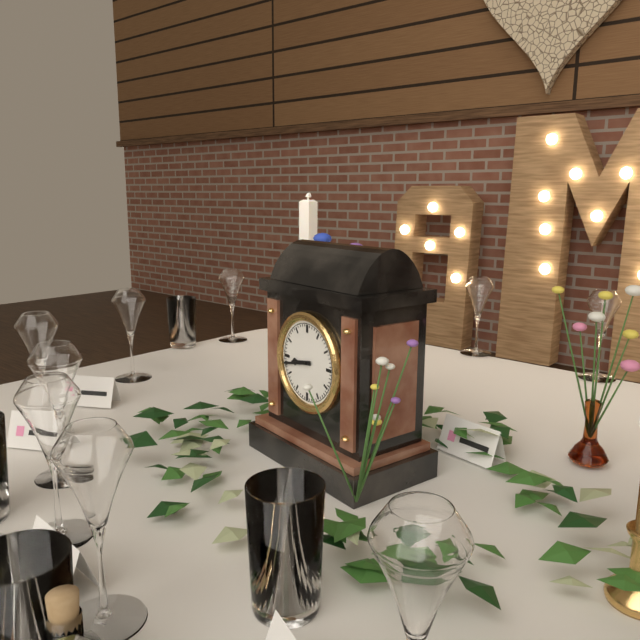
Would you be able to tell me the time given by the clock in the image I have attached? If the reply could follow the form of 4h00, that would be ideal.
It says 8h43
